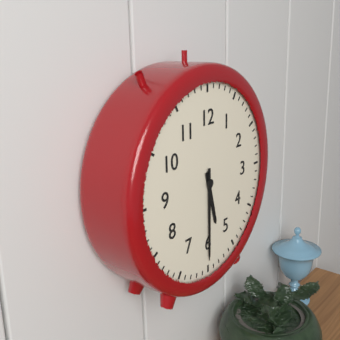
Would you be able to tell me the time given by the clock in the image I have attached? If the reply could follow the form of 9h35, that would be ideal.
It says 5h30
